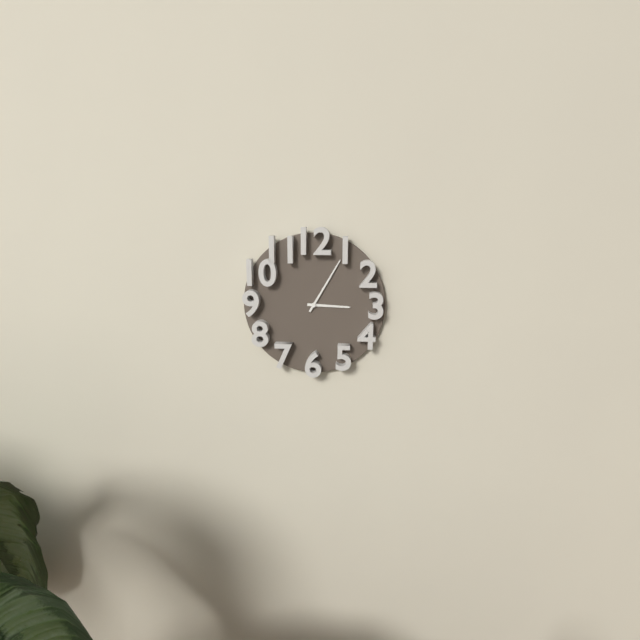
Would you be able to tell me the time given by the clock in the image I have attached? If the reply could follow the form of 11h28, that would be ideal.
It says 3h05
